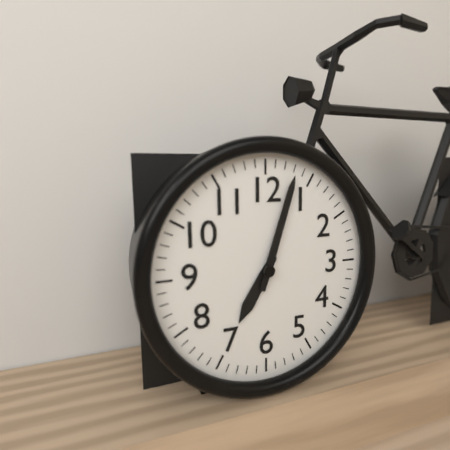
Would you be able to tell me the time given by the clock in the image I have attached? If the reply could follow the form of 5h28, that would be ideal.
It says 7h03
